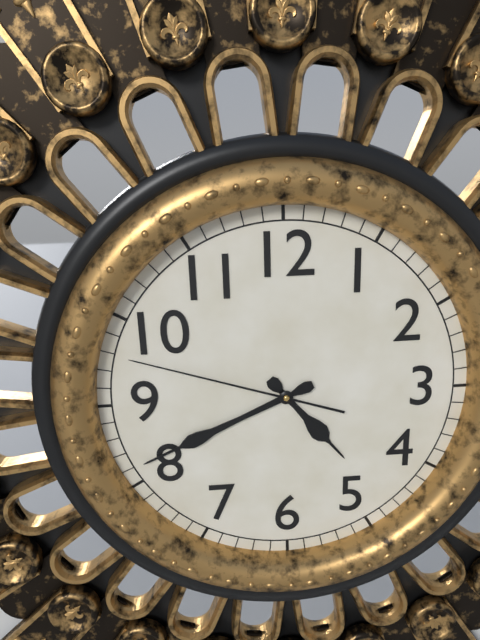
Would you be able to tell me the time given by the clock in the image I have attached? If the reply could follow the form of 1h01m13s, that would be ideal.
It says 4h41m48s
